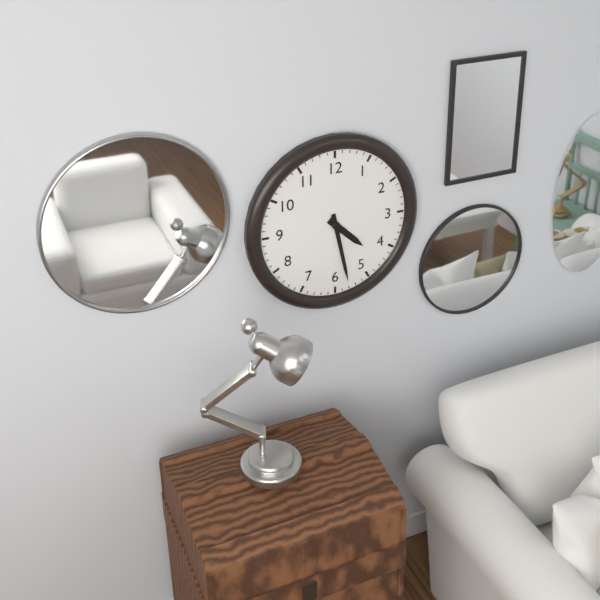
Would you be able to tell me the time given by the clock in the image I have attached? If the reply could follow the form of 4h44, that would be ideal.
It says 4h28
